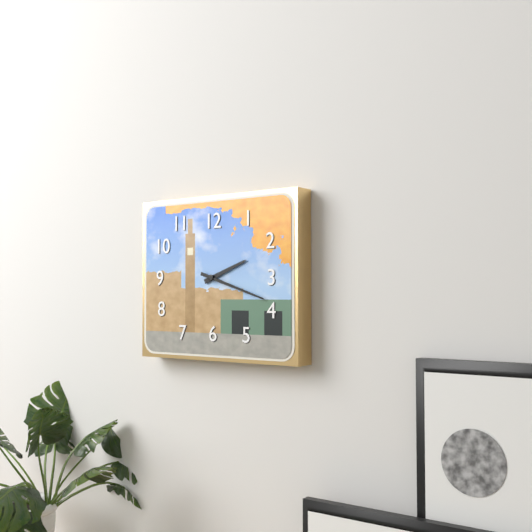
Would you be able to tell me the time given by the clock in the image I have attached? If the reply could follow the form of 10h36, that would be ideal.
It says 2h18
